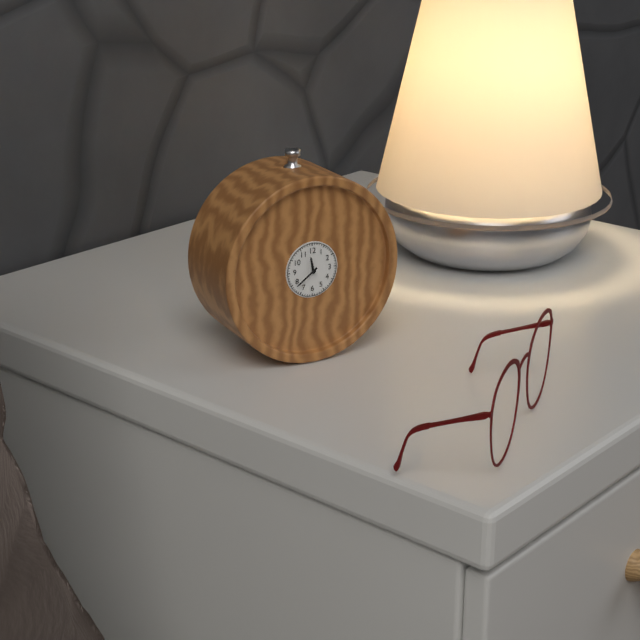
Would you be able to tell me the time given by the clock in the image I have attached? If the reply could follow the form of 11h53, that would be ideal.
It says 11h39
